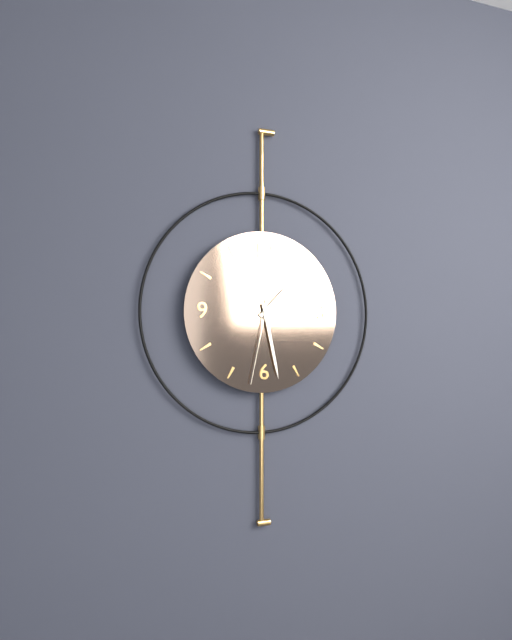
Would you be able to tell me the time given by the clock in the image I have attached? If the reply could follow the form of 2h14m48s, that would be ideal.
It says 1h28m32s
